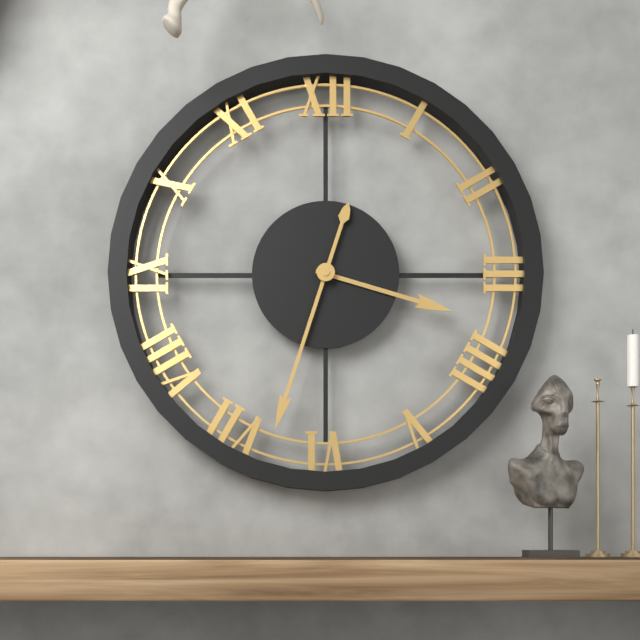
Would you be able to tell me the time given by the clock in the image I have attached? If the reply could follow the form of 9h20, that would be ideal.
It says 3h33
